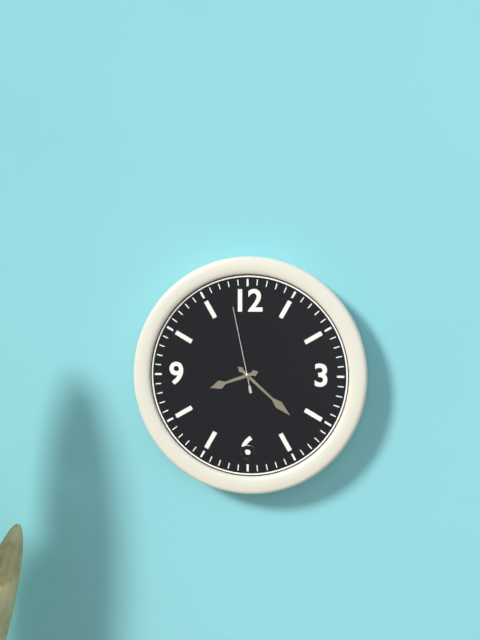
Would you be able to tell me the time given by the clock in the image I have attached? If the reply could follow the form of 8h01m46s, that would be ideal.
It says 8h22m58s
